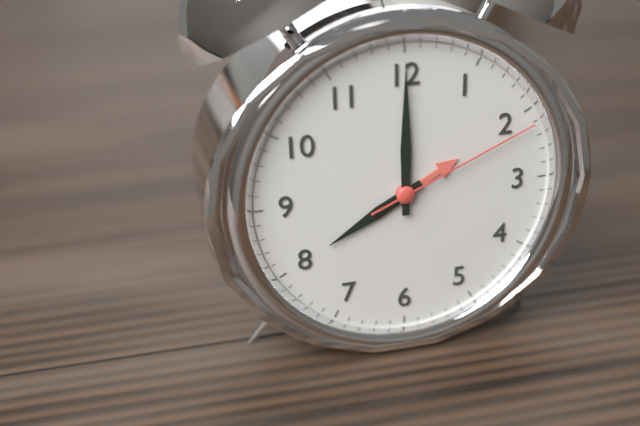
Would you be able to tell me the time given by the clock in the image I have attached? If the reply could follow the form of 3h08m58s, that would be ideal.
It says 8h00m11s
